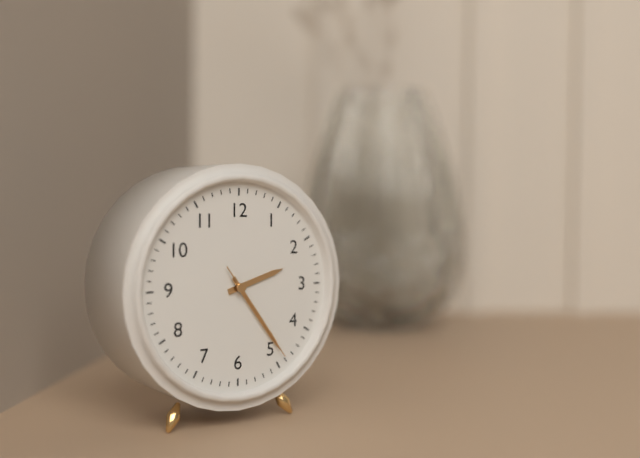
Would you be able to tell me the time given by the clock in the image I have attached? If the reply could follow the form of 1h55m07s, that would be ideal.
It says 2h24m24s
